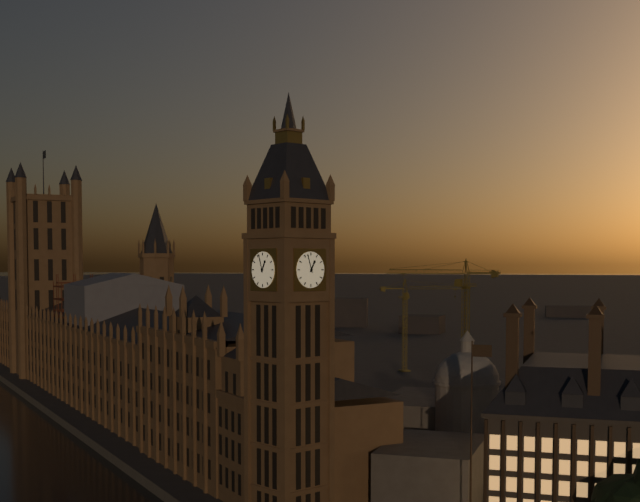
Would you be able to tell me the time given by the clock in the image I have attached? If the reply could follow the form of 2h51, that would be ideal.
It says 12h57
